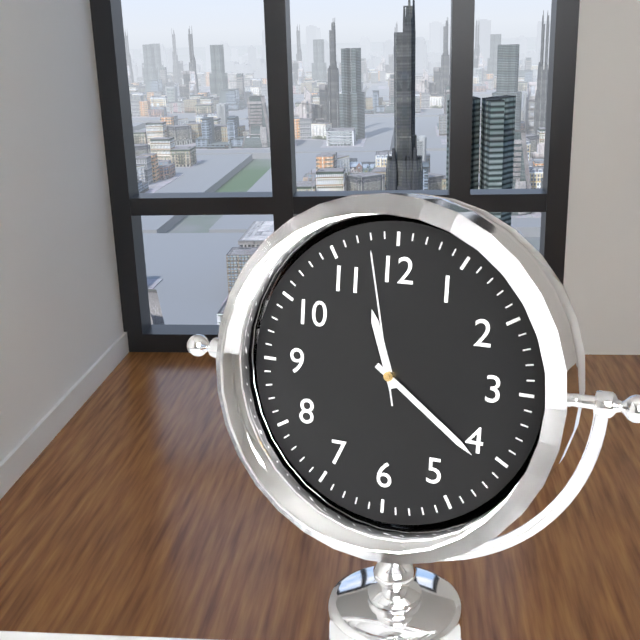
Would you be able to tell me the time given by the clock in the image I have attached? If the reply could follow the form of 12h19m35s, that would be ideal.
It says 11h21m58s
